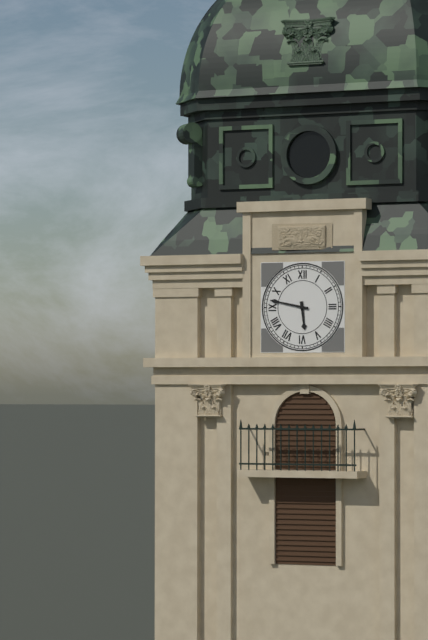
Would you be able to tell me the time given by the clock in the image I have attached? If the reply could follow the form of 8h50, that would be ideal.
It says 5h47
